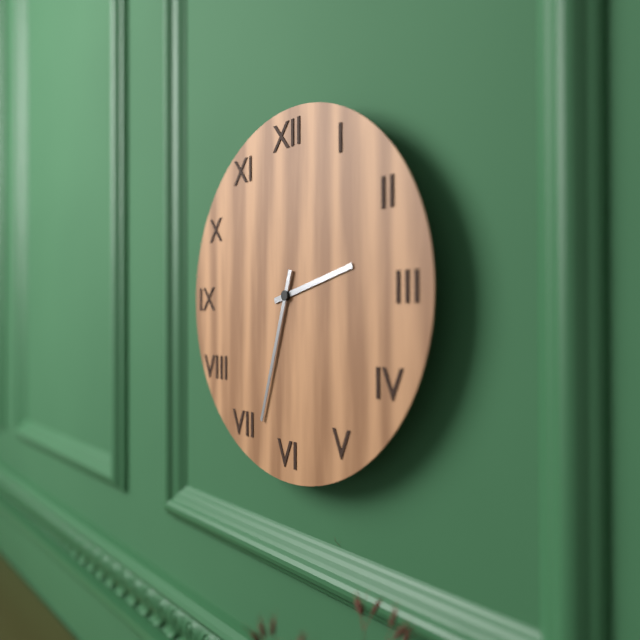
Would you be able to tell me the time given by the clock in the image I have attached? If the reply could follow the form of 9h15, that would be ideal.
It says 2h33
